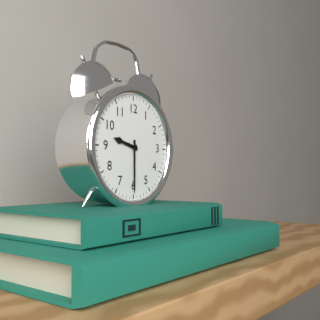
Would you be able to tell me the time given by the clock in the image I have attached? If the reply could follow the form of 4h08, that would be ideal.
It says 9h30
